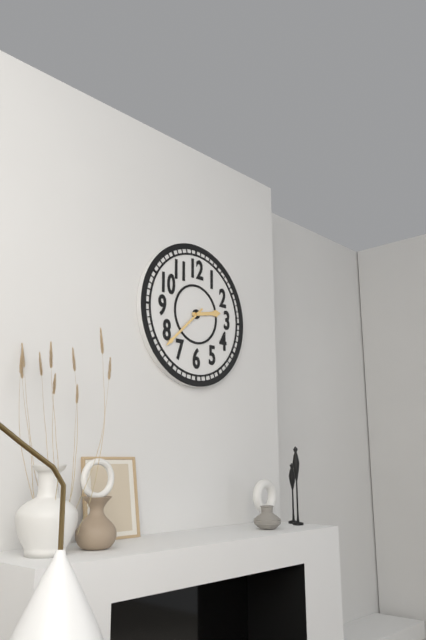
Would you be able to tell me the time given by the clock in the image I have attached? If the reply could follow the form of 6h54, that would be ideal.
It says 2h38
